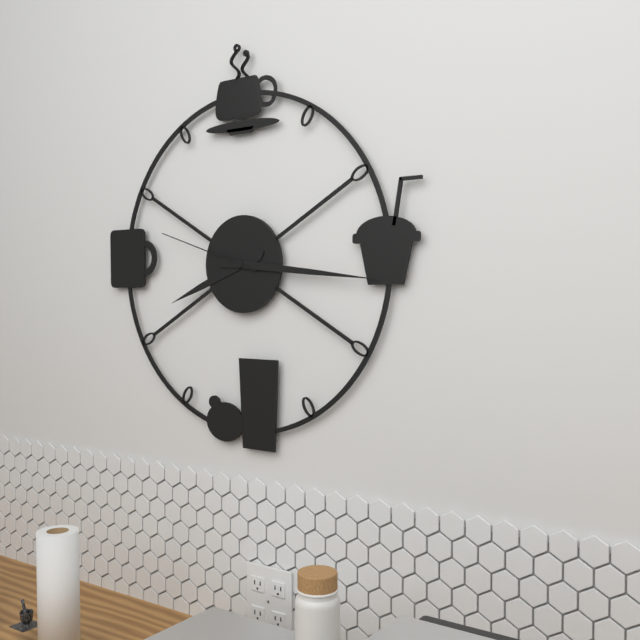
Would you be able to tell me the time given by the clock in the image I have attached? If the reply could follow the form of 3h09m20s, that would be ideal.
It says 8h16m48s
